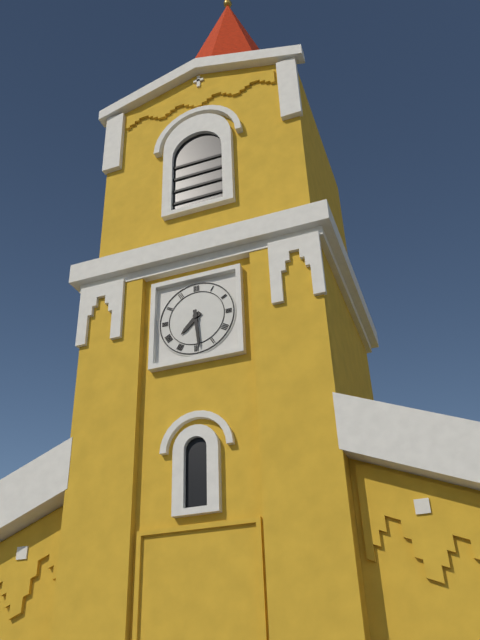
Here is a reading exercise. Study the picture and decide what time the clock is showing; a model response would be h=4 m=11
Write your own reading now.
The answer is h=7 m=29
